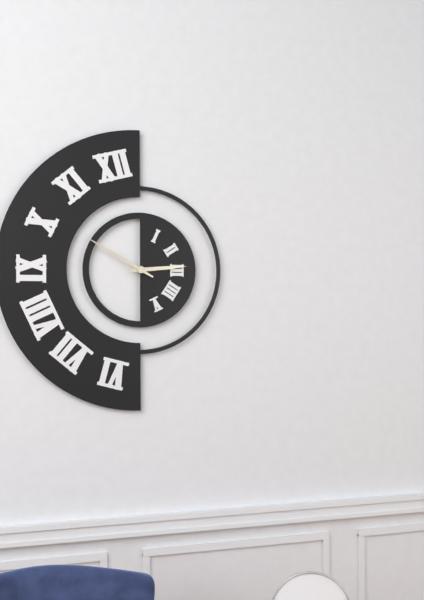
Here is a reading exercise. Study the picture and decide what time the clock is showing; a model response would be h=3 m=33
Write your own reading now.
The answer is h=2 m=50
